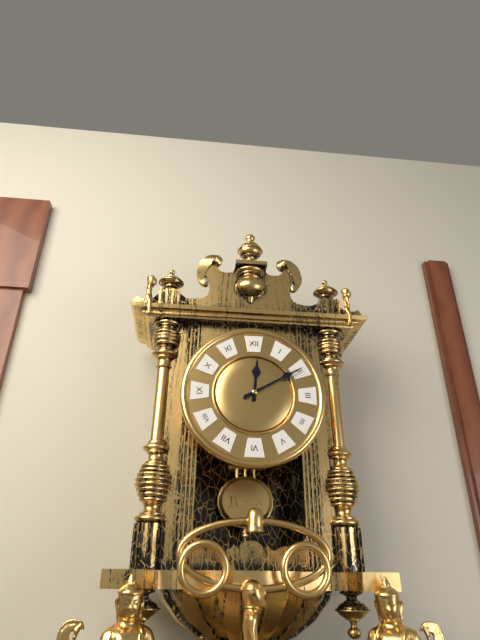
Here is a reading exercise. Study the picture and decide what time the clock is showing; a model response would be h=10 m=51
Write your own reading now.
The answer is h=12 m=10
